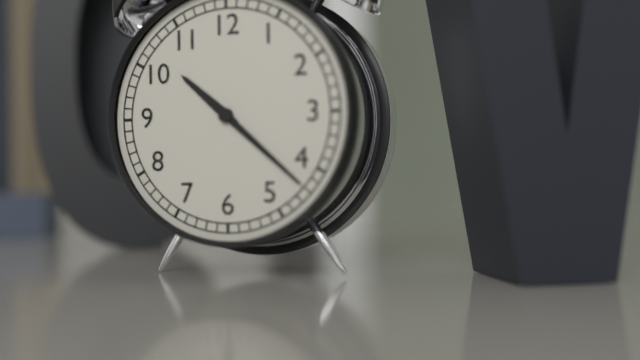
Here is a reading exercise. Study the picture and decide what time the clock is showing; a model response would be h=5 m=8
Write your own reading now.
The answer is h=10 m=22
